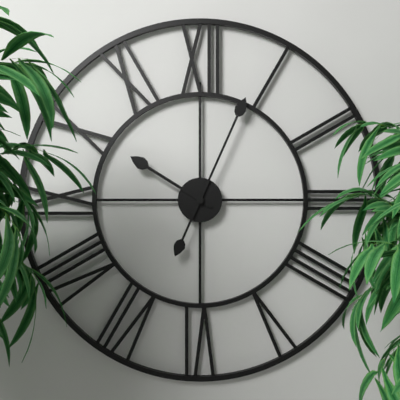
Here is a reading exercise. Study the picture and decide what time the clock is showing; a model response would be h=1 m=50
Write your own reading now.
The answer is h=10 m=4
